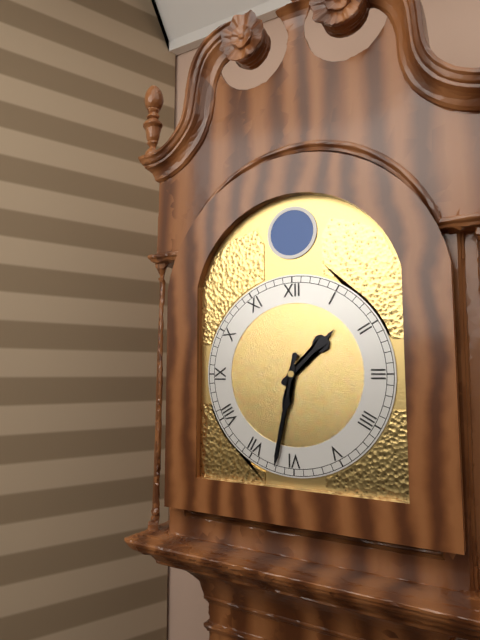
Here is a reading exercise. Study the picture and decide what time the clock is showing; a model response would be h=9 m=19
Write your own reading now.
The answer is h=1 m=32
